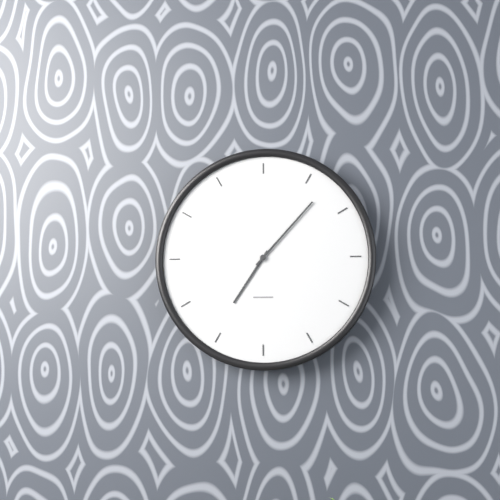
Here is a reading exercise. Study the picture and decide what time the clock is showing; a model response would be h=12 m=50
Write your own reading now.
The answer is h=7 m=7
